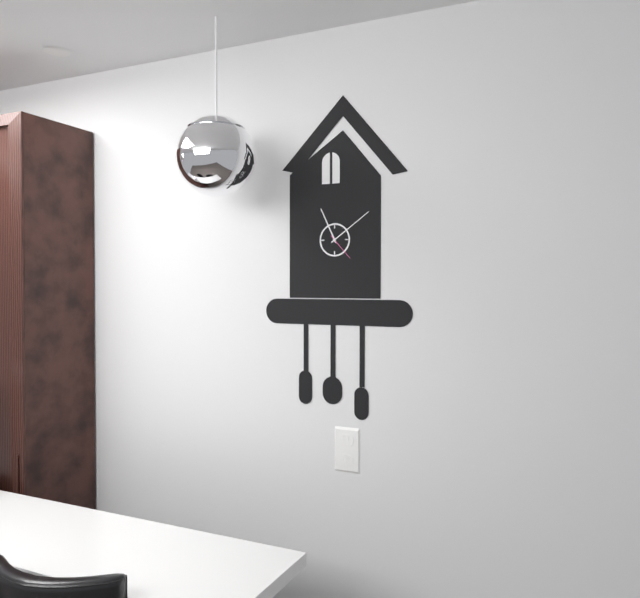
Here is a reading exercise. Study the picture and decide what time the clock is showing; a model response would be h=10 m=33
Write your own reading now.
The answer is h=11 m=9
